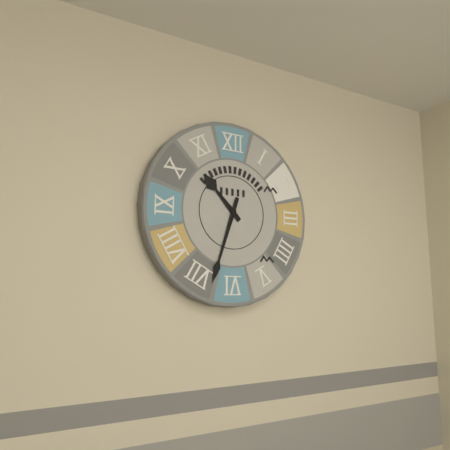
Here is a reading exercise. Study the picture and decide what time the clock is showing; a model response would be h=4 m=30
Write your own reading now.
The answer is h=10 m=33
